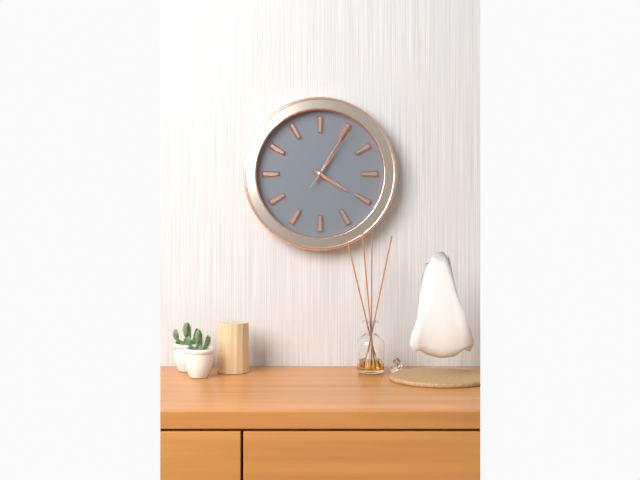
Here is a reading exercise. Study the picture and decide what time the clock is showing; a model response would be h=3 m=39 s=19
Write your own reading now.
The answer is h=4 m=5 s=6
